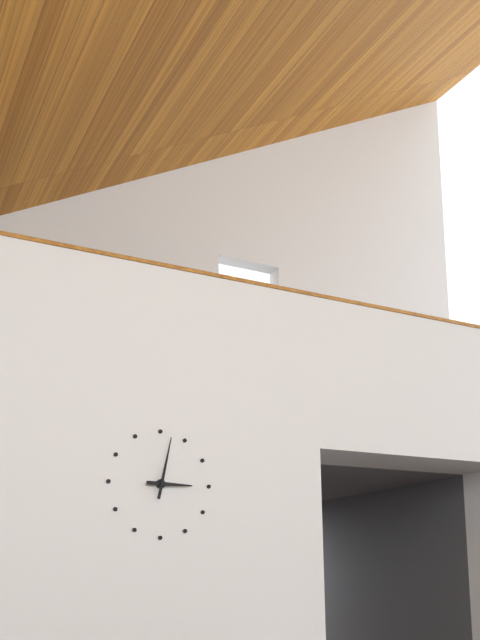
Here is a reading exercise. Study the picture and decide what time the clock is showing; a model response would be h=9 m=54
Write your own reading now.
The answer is h=3 m=2
